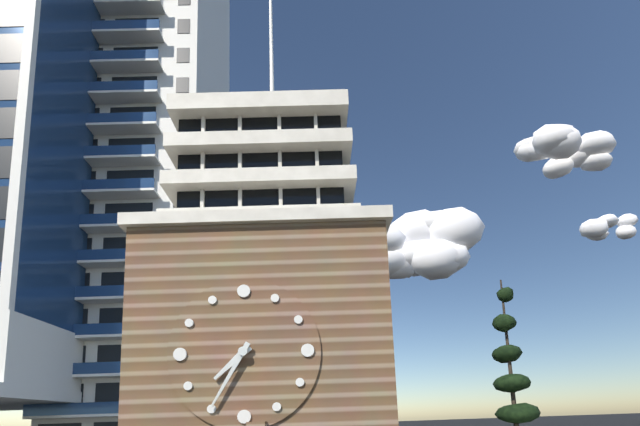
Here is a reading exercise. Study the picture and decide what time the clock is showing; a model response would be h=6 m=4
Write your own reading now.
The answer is h=7 m=35
